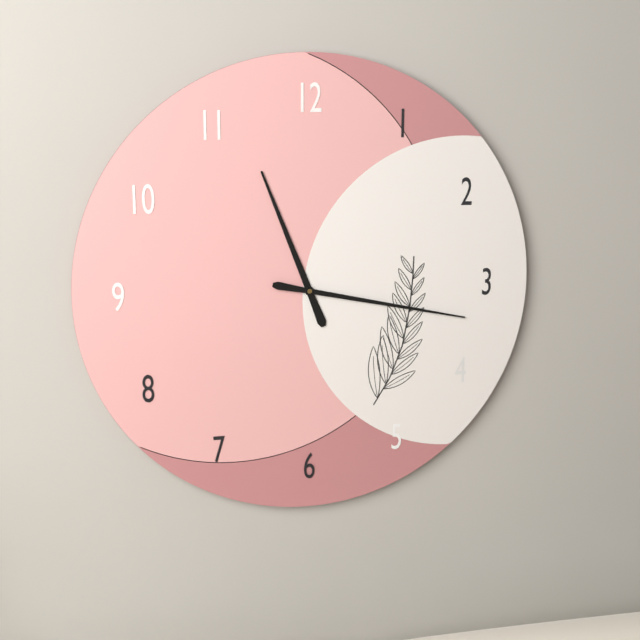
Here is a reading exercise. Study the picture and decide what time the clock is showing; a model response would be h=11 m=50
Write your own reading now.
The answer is h=11 m=17
